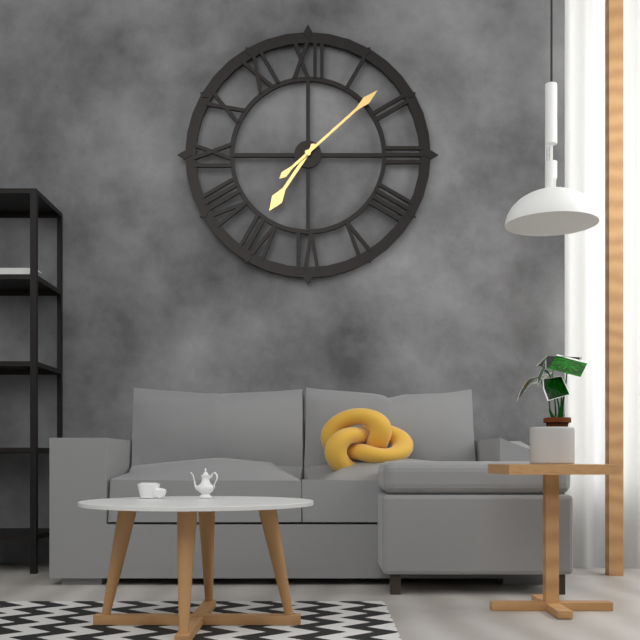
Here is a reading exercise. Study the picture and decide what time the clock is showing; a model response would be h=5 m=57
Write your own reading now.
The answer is h=7 m=8
